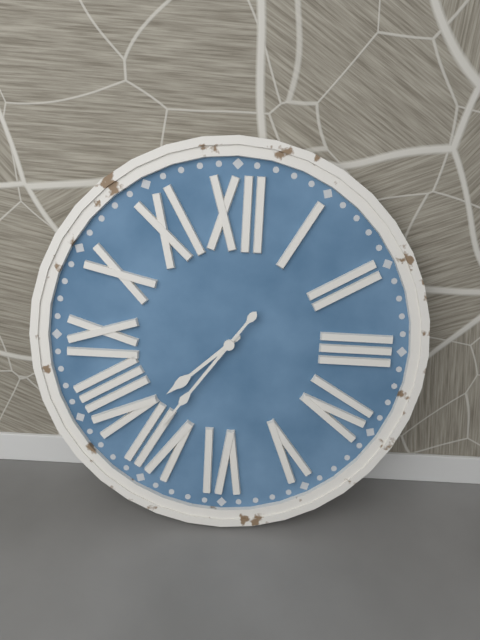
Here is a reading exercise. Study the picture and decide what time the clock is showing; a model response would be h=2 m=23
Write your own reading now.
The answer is h=7 m=36
